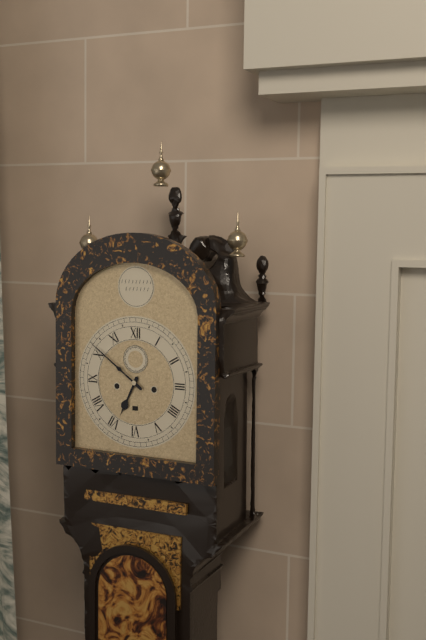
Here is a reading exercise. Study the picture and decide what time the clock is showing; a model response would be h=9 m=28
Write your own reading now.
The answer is h=6 m=51
